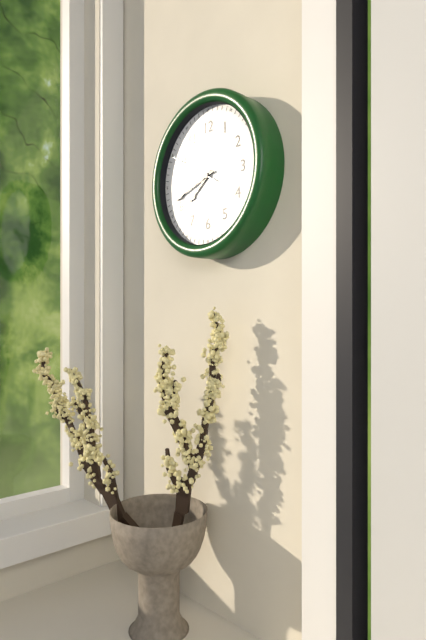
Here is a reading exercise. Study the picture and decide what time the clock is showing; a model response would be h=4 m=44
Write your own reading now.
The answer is h=7 m=42
